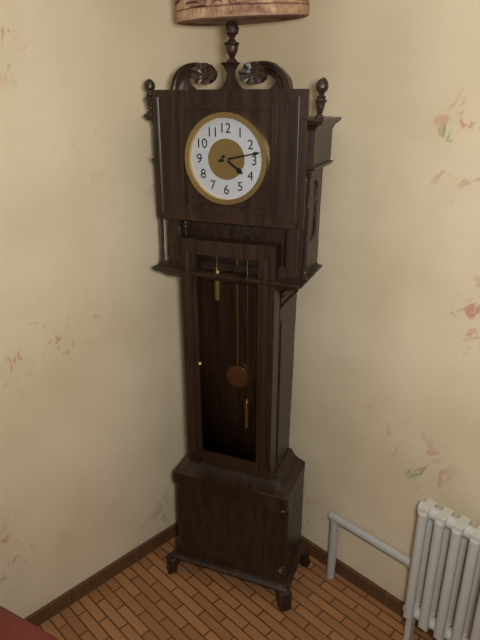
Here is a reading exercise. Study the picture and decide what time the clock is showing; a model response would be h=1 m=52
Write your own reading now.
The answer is h=4 m=13
